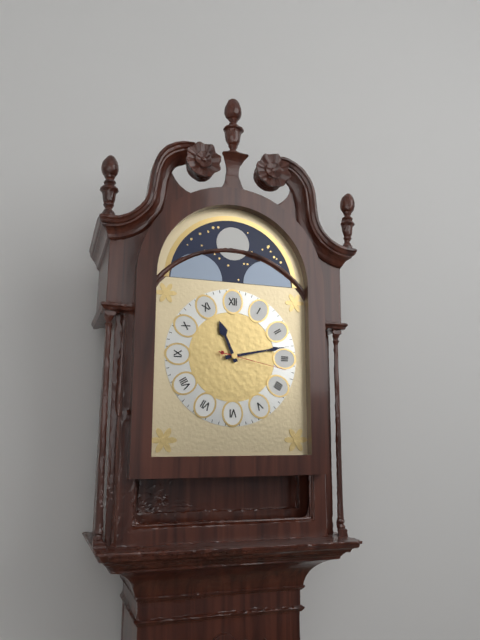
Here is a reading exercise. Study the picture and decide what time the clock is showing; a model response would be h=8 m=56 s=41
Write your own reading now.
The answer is h=11 m=13 s=17
